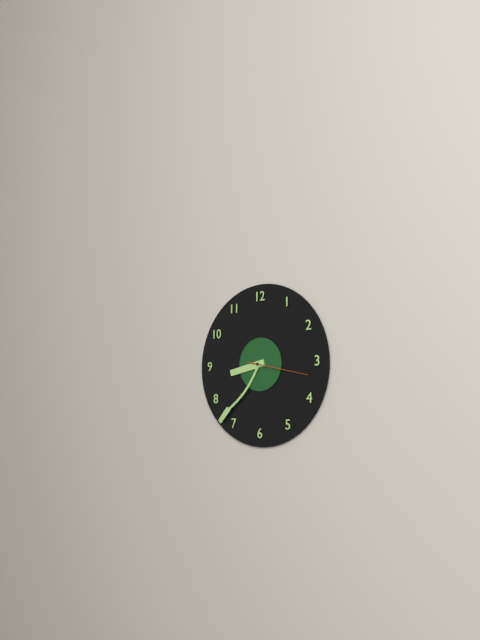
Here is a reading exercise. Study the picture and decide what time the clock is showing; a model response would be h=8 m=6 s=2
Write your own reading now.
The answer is h=8 m=37 s=17
